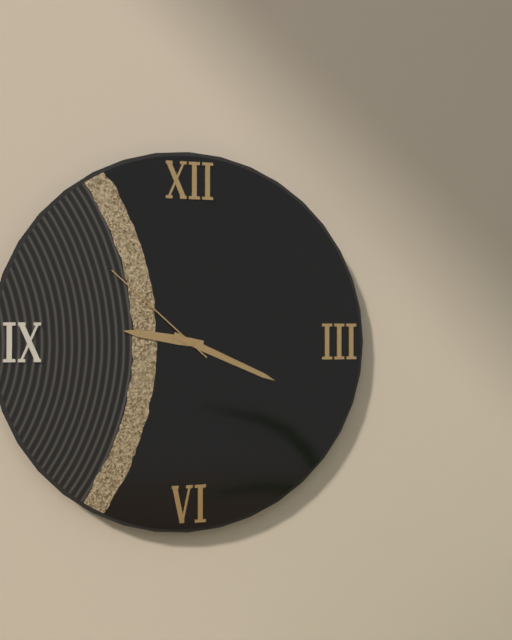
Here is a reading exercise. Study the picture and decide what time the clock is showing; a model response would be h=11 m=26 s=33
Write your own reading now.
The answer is h=9 m=19 s=52
